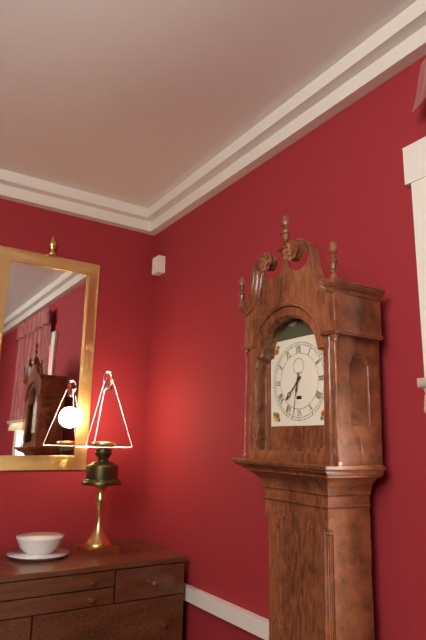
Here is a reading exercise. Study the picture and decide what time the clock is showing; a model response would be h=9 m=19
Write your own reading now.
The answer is h=7 m=32
